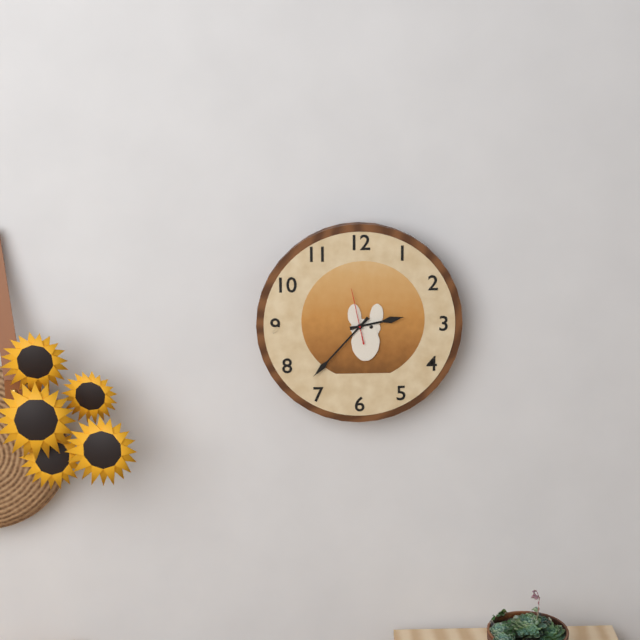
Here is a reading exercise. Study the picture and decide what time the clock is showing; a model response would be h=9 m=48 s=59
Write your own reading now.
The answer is h=2 m=37 s=58
